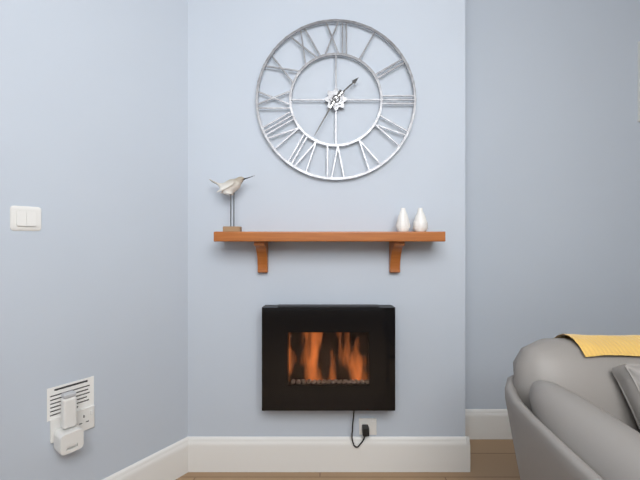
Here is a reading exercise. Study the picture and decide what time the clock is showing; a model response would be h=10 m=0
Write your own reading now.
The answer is h=1 m=35
